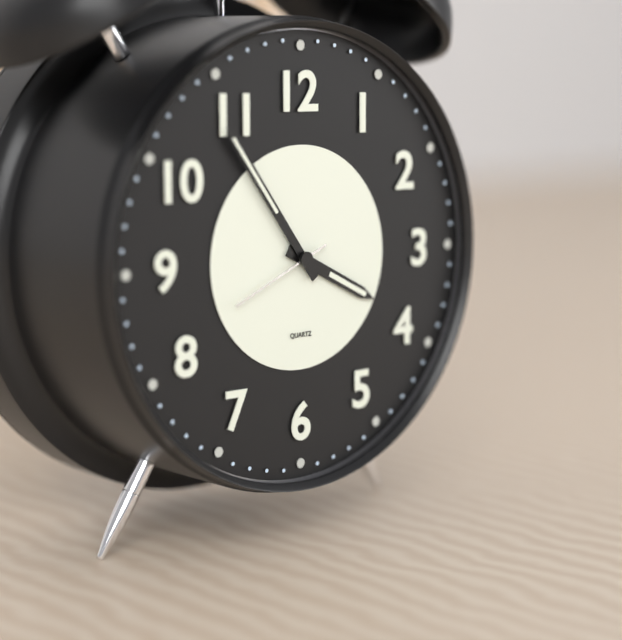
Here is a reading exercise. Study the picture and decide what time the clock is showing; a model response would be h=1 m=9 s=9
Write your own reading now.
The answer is h=3 m=54 s=41
